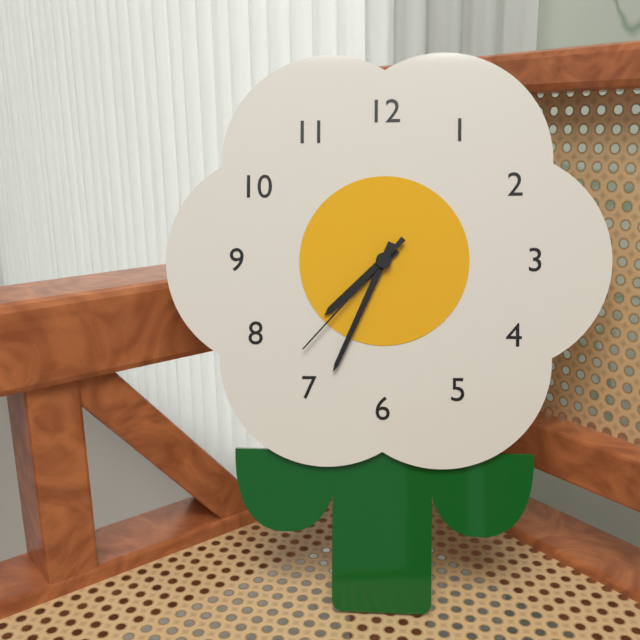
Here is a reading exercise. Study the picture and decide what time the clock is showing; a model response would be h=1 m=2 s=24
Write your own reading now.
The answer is h=7 m=34 s=37
